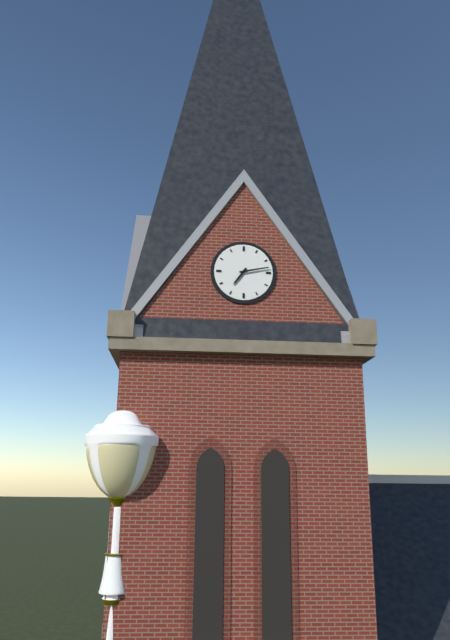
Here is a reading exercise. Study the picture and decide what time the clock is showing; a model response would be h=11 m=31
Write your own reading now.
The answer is h=7 m=13
